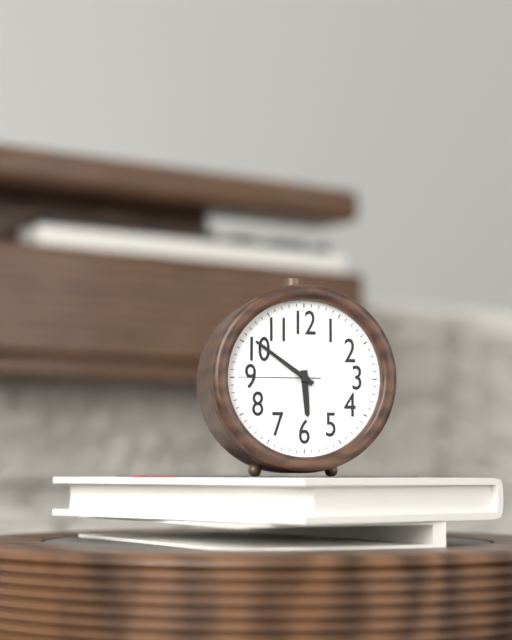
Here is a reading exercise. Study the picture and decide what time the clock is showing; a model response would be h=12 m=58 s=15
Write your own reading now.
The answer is h=5 m=51 s=45
